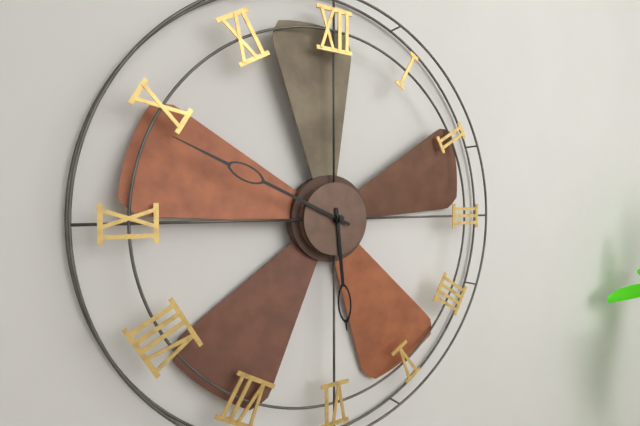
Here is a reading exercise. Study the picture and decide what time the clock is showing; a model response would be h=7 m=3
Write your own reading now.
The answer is h=5 m=49
